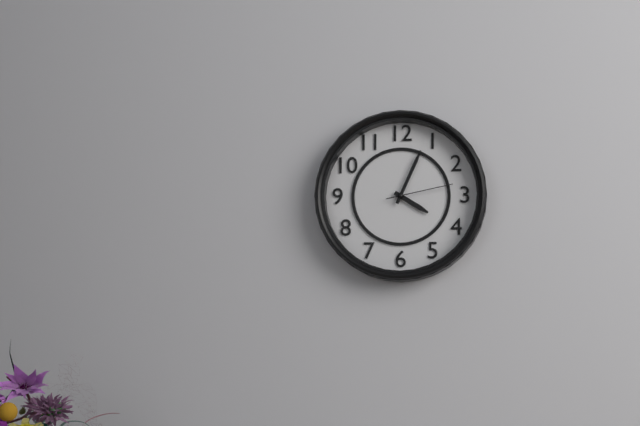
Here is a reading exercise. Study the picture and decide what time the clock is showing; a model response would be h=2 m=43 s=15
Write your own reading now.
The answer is h=4 m=4 s=13
